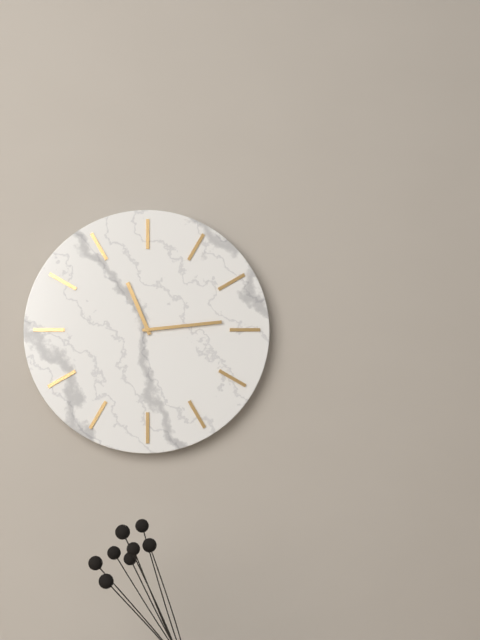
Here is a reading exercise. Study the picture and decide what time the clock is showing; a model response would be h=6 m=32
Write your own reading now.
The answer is h=11 m=14
